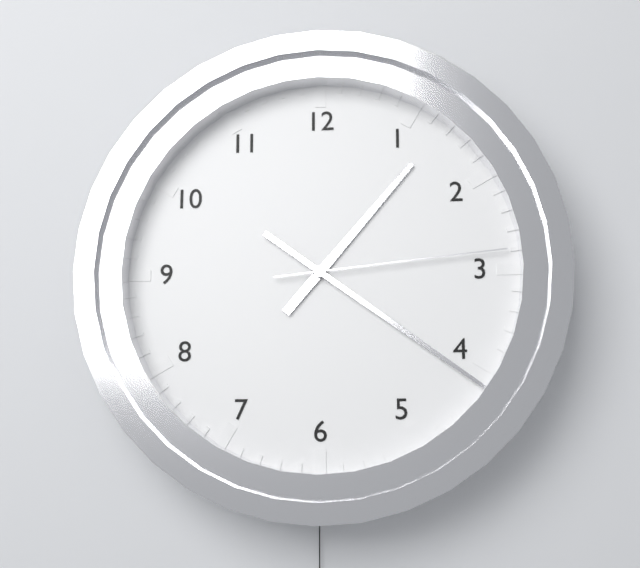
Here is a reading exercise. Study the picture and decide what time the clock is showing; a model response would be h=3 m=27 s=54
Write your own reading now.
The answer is h=1 m=21 s=14
